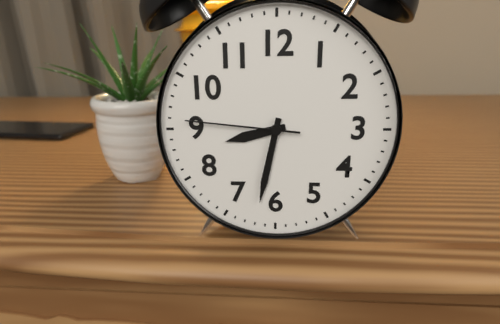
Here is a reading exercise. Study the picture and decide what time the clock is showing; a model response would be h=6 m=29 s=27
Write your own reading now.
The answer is h=8 m=32 s=46
